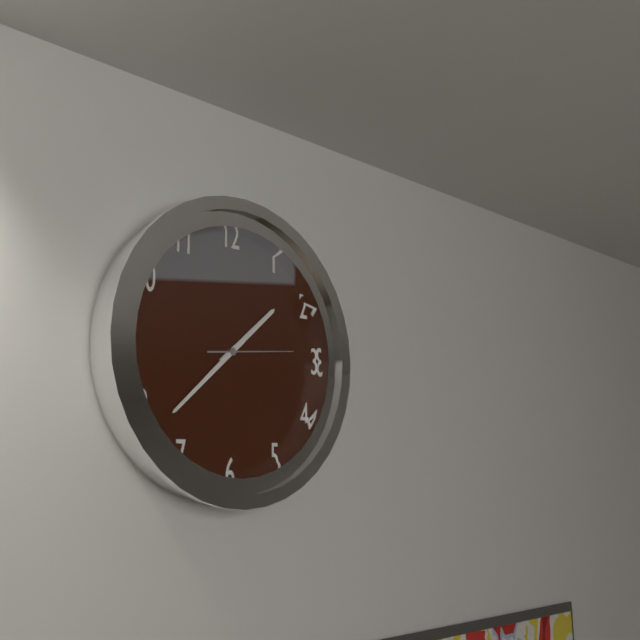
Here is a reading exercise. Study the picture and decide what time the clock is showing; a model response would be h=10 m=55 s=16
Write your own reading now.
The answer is h=1 m=38 s=14
